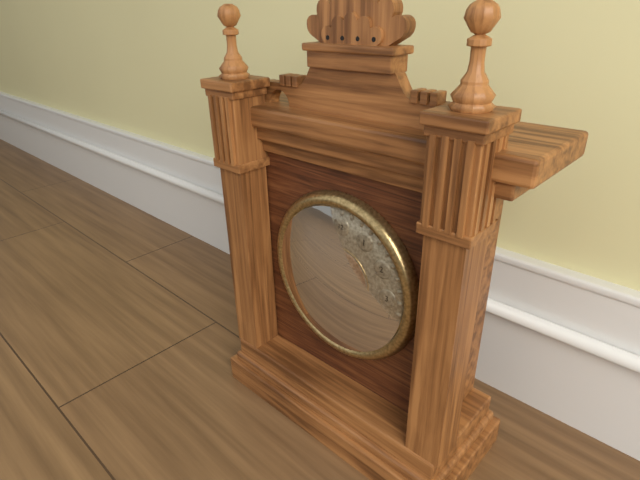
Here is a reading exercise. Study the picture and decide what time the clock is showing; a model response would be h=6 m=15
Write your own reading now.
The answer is h=3 m=56
